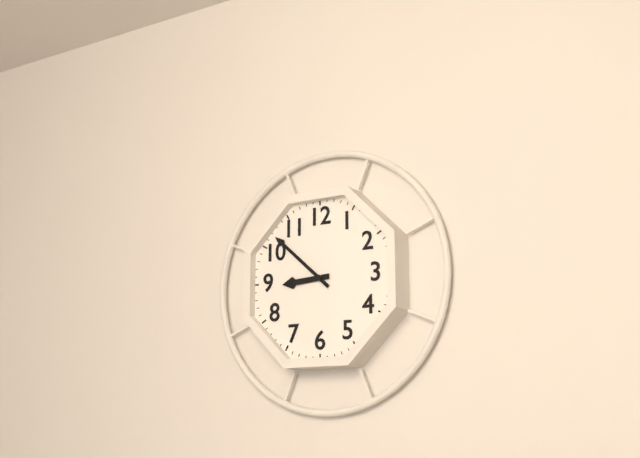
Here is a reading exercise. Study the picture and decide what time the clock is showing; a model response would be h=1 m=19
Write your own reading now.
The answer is h=8 m=52
